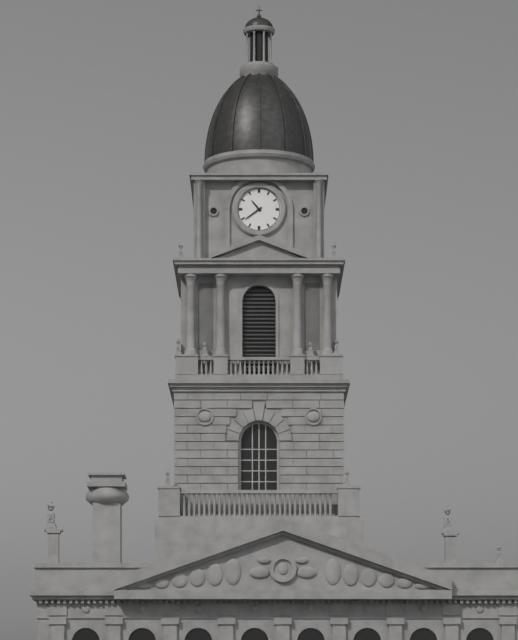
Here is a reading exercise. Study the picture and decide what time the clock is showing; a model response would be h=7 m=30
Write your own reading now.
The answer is h=10 m=39
